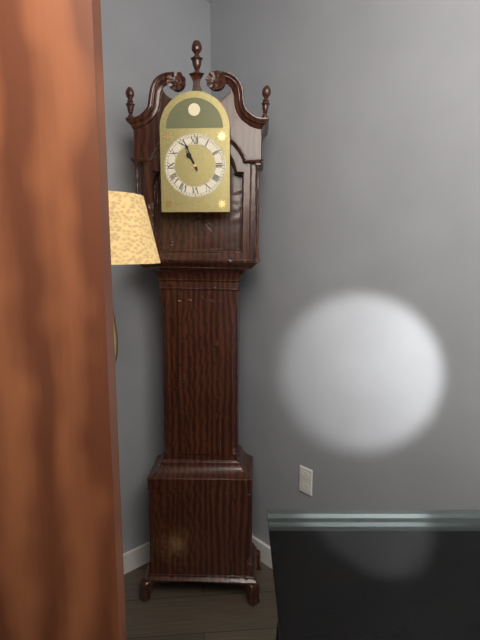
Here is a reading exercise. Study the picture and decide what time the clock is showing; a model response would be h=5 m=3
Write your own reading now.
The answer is h=10 m=56
